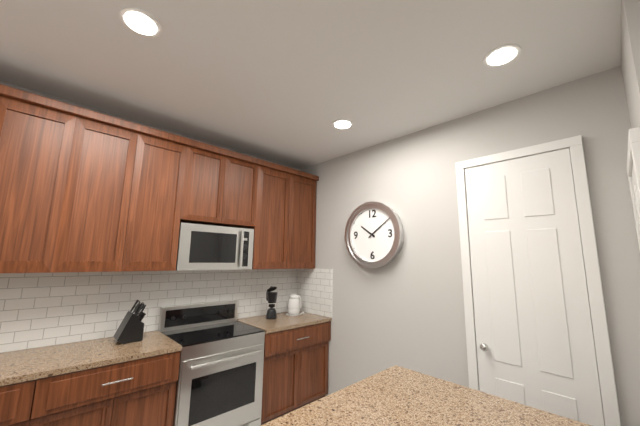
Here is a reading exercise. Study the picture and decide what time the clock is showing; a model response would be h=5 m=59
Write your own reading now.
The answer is h=10 m=9
